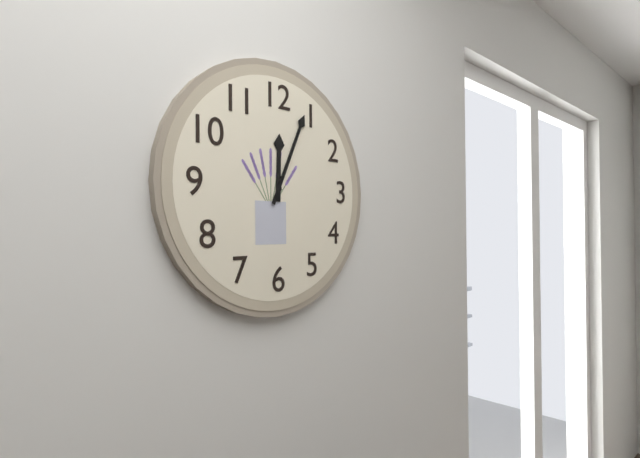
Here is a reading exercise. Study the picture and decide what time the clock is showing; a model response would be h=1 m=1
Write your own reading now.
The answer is h=12 m=4
